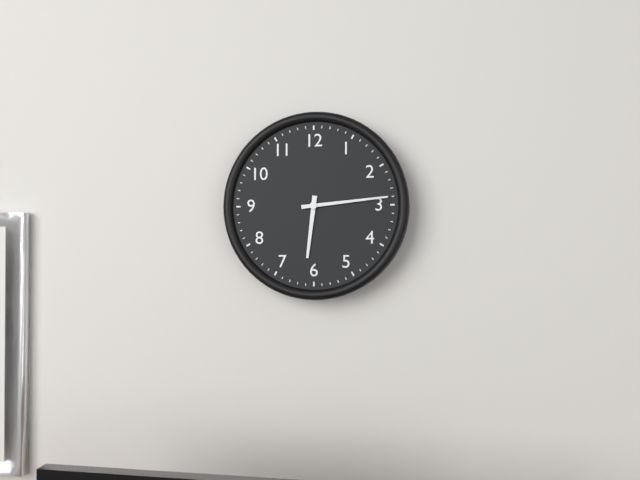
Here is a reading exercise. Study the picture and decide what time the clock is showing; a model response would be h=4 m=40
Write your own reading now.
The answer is h=6 m=14
